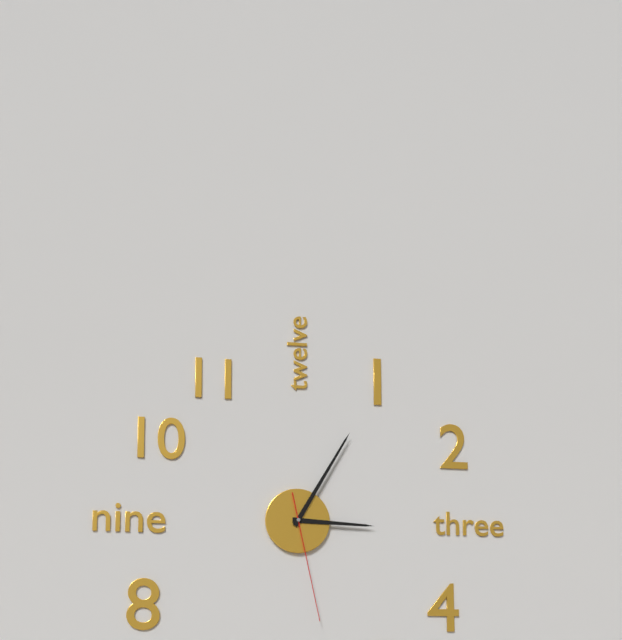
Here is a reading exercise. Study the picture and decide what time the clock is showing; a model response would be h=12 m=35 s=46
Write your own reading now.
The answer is h=3 m=5 s=28
